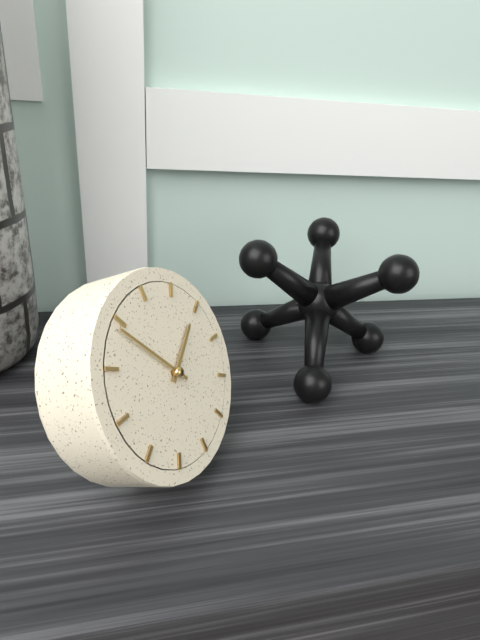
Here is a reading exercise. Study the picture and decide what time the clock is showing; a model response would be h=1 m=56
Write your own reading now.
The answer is h=1 m=54
